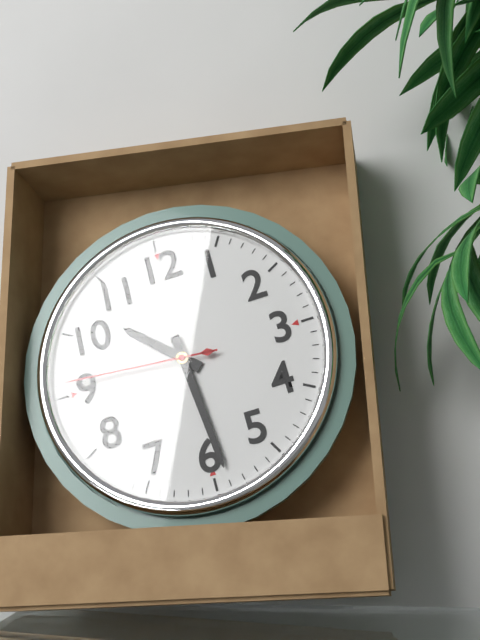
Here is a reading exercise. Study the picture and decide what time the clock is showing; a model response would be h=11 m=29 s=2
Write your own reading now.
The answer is h=10 m=29 s=46
